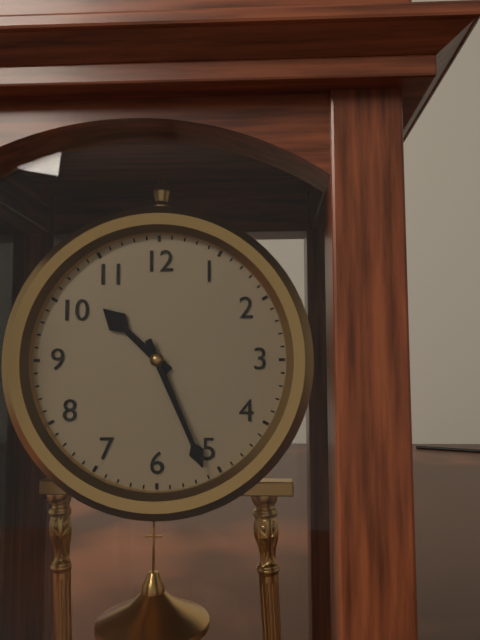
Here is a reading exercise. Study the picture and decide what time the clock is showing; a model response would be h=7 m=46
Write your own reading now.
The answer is h=10 m=26
